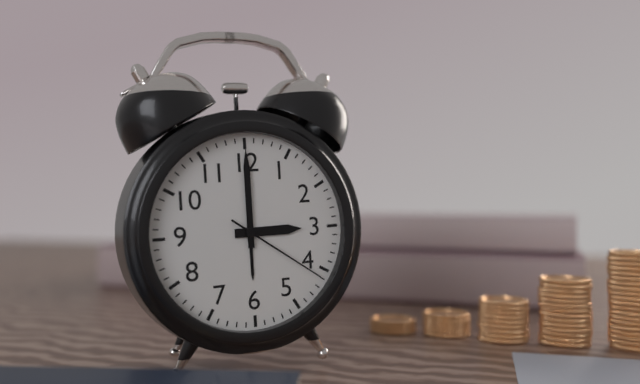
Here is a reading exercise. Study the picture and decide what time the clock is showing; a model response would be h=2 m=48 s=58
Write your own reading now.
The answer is h=3 m=0 s=21
